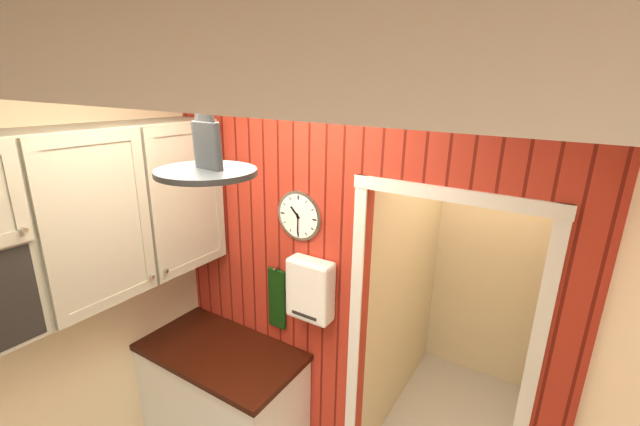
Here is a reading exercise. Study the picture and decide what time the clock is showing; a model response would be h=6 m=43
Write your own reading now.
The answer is h=10 m=30
